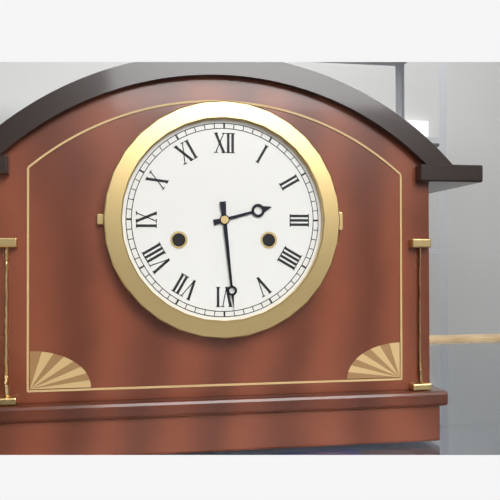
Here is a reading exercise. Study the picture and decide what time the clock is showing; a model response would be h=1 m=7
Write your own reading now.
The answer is h=2 m=29
